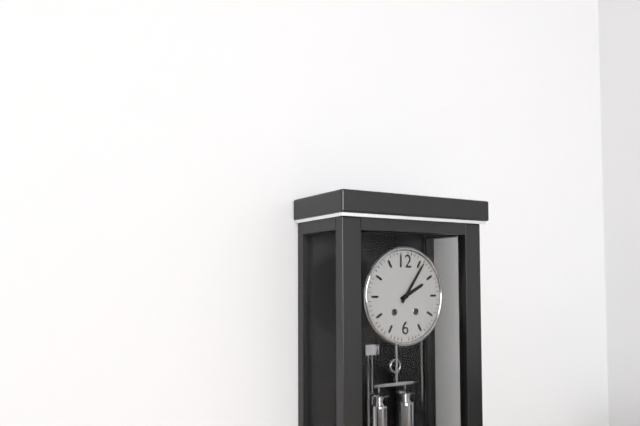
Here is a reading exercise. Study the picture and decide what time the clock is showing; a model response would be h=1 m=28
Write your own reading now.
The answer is h=2 m=6
